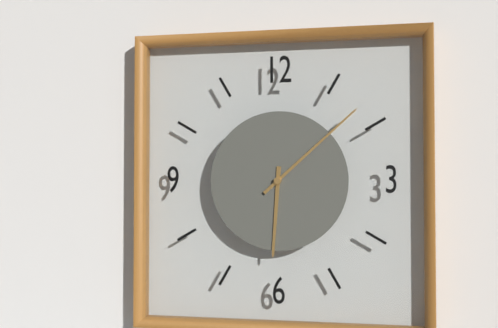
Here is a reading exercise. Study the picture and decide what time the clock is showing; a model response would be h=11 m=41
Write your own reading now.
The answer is h=6 m=8
